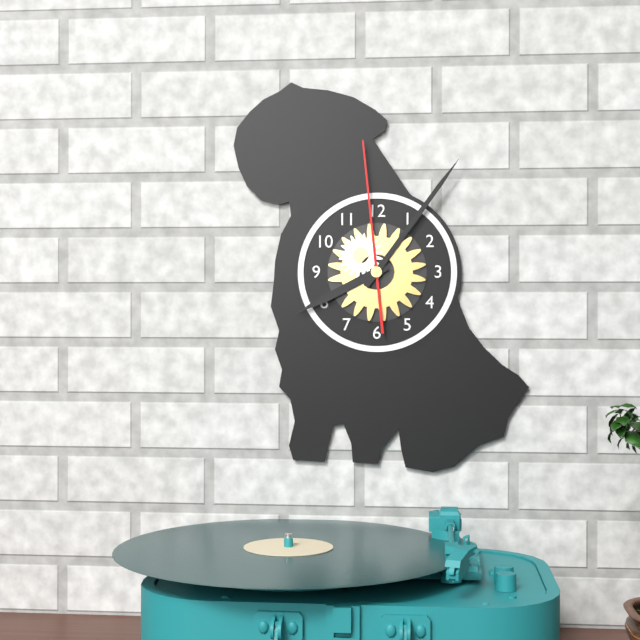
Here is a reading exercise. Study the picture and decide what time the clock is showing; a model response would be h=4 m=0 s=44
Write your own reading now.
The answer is h=8 m=6 s=59
